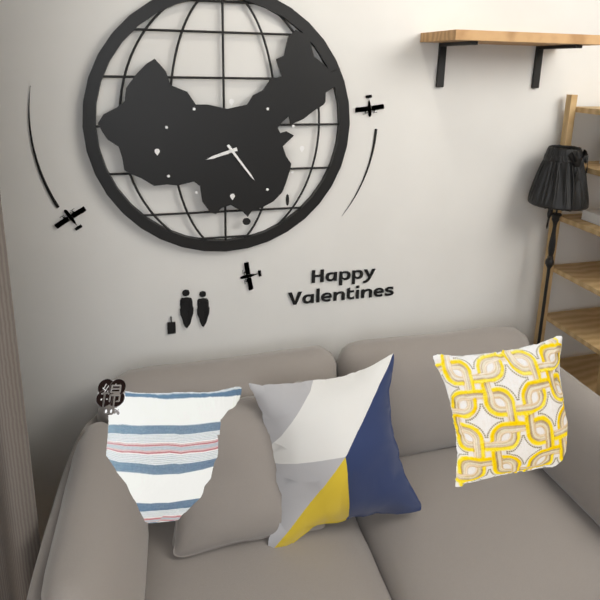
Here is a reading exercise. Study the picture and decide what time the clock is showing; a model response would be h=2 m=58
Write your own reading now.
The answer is h=8 m=24
